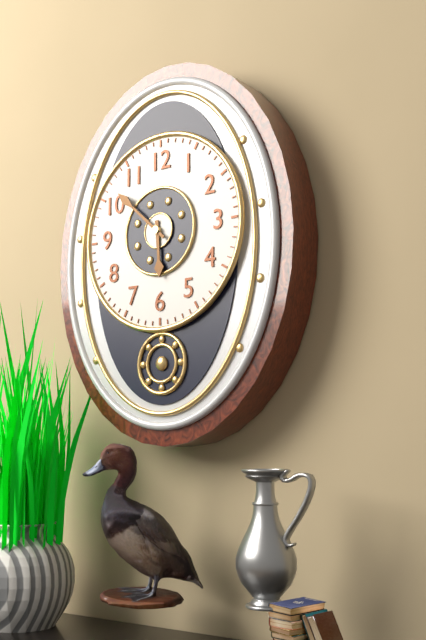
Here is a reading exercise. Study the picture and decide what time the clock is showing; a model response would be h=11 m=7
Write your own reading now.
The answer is h=5 m=52
